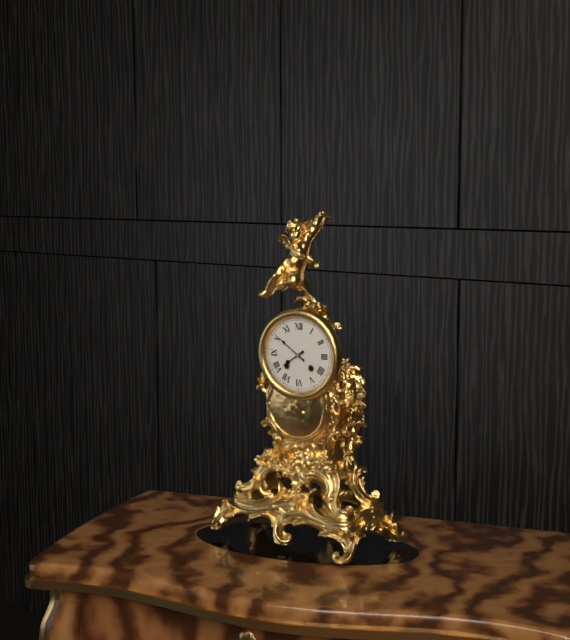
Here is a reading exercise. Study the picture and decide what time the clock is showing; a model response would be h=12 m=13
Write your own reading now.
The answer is h=7 m=51
